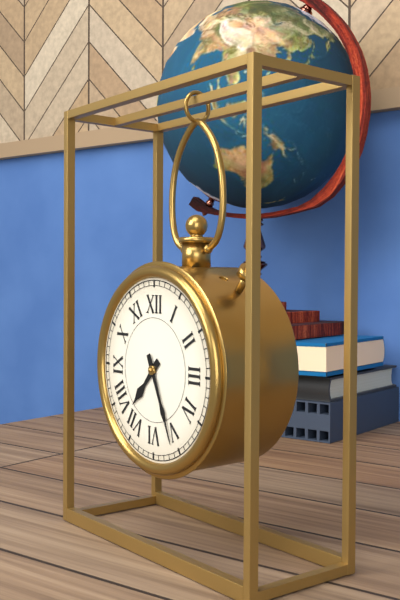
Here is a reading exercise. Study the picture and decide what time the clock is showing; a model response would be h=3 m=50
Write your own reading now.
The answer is h=7 m=26
